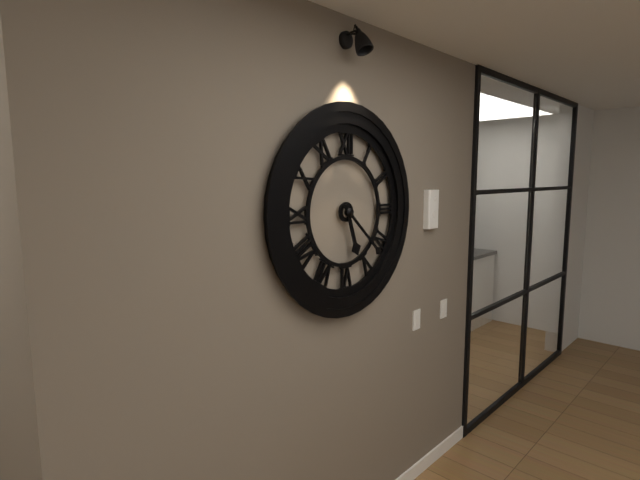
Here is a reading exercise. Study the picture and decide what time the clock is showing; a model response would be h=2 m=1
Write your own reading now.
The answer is h=5 m=22
